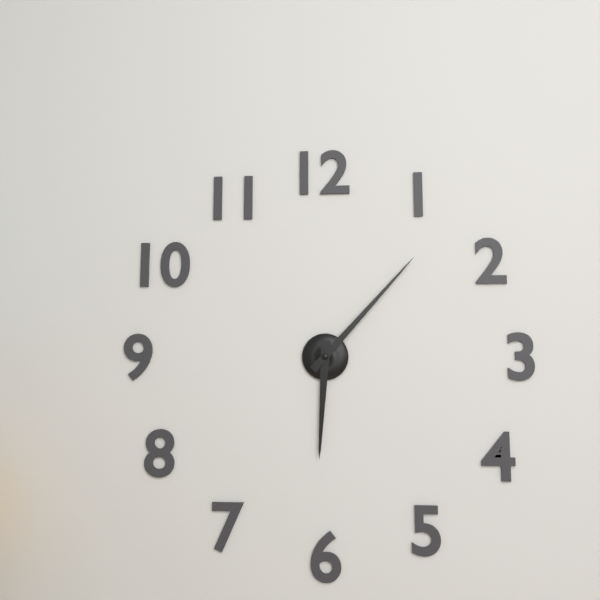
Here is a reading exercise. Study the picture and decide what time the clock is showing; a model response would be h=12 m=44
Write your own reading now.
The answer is h=6 m=7
